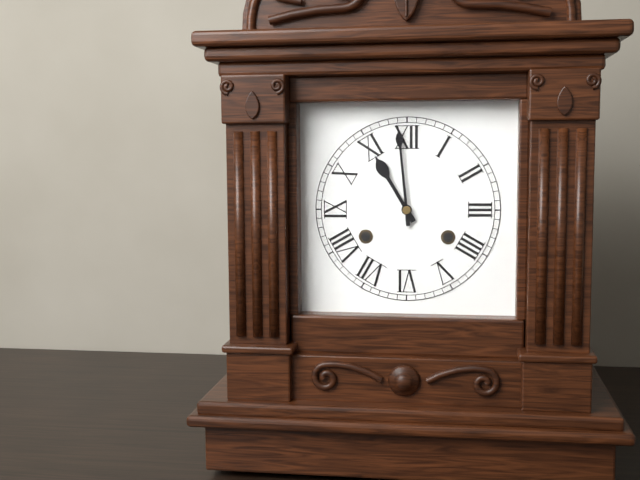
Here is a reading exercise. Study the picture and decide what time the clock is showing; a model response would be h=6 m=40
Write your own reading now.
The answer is h=10 m=59
